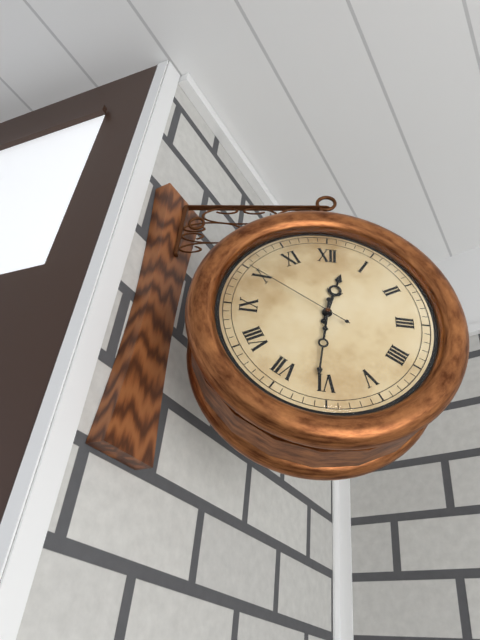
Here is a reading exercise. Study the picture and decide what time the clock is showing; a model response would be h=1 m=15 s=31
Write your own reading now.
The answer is h=12 m=31 s=50
